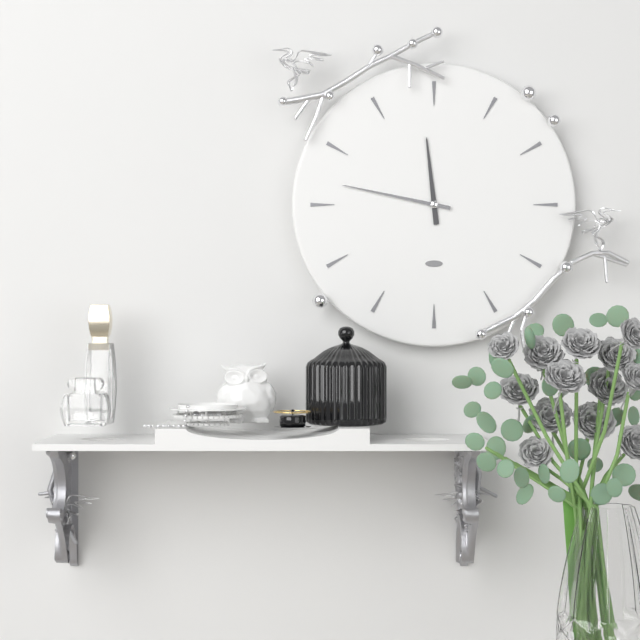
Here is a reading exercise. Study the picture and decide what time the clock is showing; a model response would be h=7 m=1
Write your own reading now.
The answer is h=11 m=47
